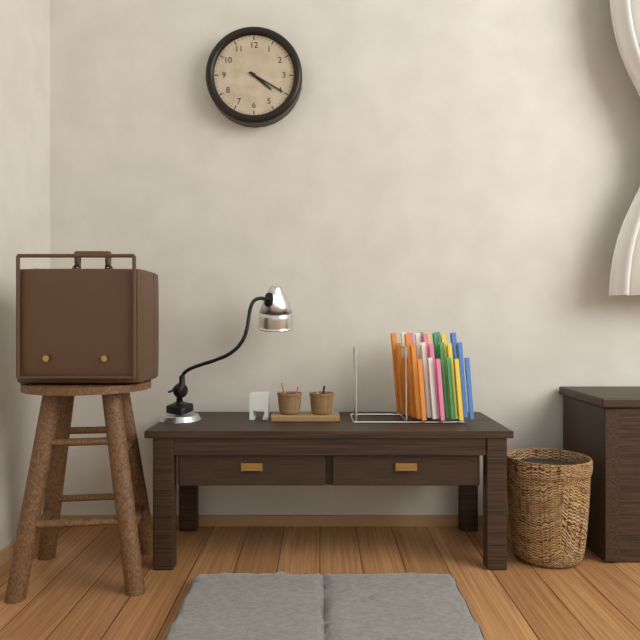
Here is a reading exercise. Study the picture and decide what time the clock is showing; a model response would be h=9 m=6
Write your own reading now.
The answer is h=4 m=20
